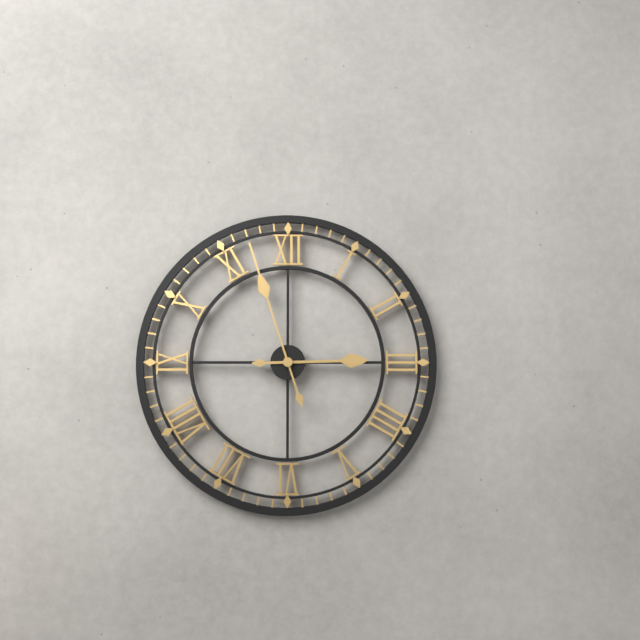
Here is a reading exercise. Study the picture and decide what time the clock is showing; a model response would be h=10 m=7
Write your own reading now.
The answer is h=2 m=57
